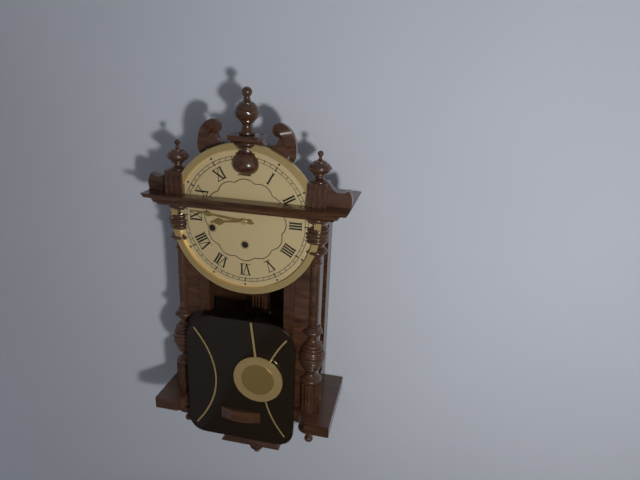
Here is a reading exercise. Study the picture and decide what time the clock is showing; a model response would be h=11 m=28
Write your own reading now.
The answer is h=8 m=46
